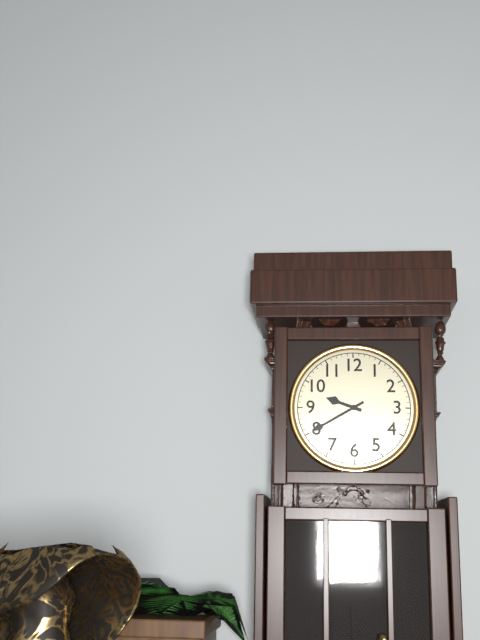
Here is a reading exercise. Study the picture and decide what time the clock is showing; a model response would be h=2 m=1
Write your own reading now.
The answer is h=9 m=40
